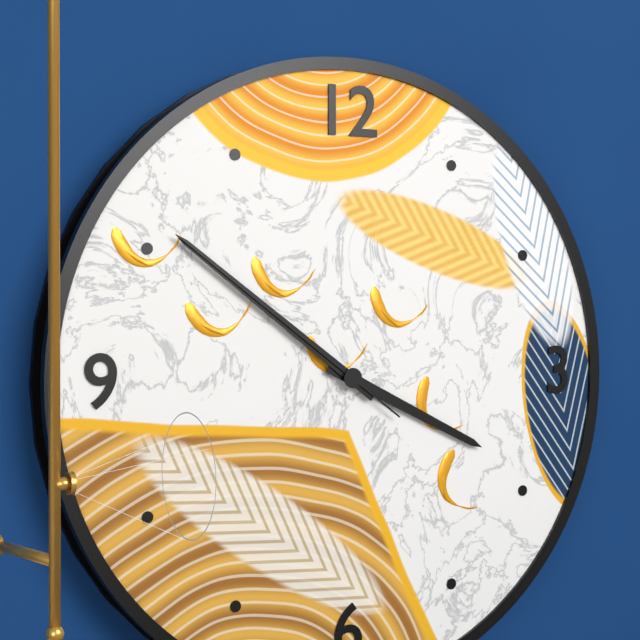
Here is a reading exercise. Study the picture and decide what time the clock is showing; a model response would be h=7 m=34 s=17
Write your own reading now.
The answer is h=3 m=51 s=51
